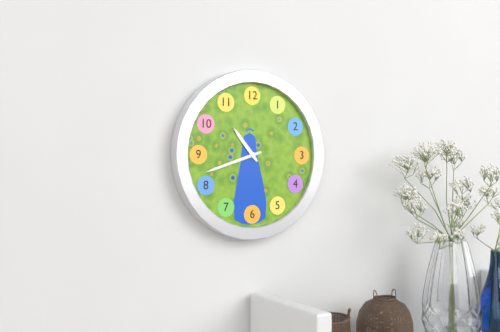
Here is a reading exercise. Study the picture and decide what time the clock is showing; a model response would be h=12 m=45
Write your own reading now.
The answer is h=10 m=42
